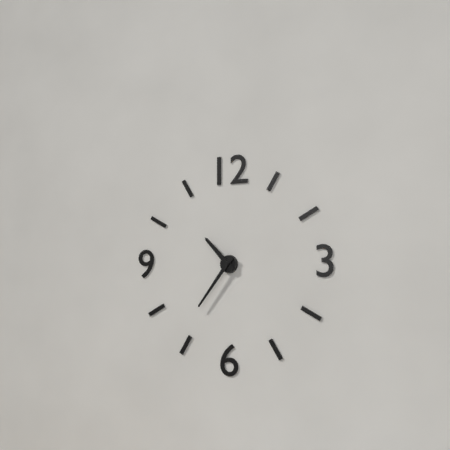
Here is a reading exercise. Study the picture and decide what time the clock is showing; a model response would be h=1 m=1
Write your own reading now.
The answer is h=10 m=36
